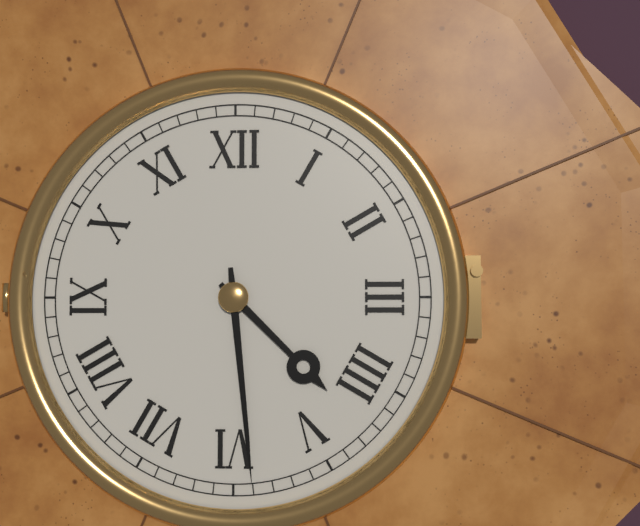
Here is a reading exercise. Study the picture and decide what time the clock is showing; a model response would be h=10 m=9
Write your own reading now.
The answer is h=4 m=29
